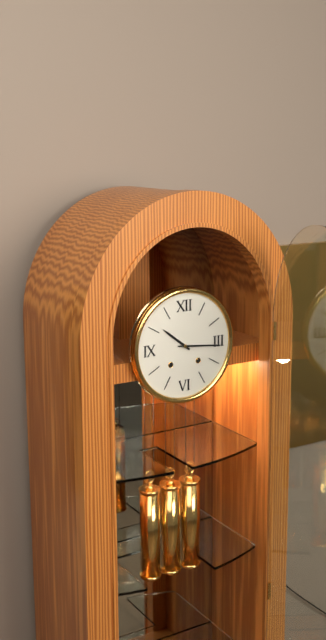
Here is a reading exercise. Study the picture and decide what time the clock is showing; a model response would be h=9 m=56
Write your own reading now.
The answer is h=10 m=16
